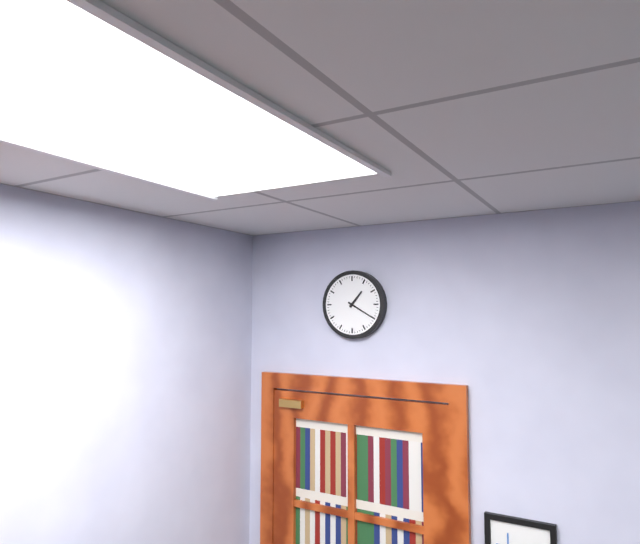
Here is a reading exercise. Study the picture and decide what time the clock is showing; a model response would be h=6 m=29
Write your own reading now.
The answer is h=1 m=20
